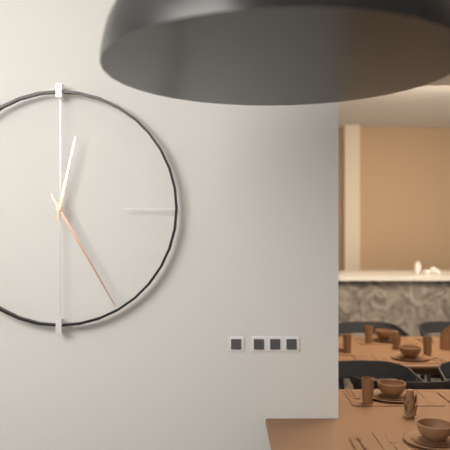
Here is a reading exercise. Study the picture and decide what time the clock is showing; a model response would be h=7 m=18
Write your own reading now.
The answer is h=12 m=25
